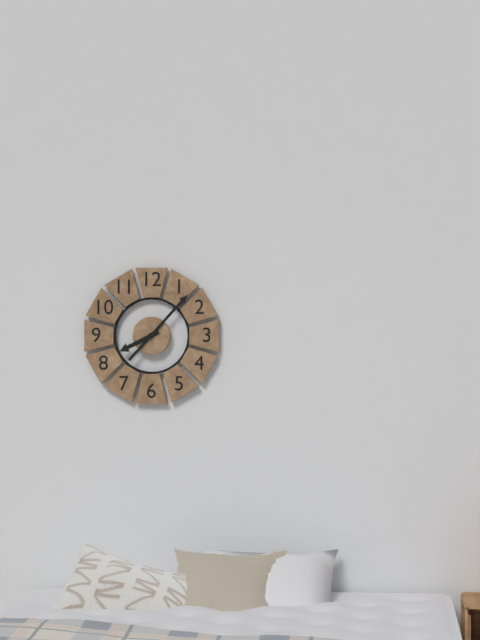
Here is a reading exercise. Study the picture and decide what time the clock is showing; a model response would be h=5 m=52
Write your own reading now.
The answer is h=8 m=7
